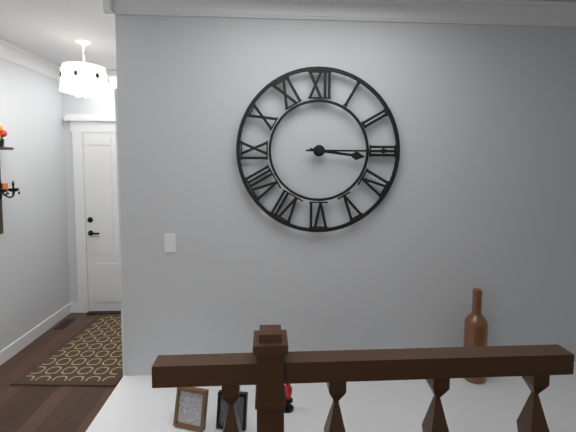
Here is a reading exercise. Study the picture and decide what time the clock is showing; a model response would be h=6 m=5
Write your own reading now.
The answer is h=3 m=15
